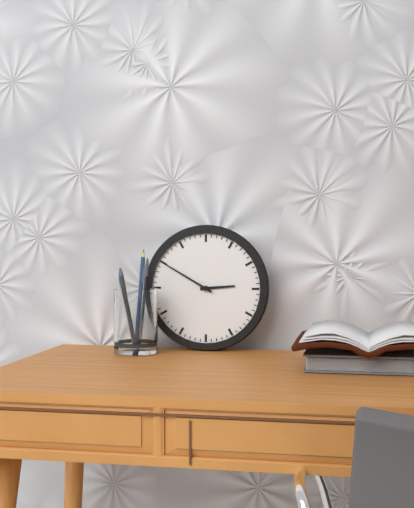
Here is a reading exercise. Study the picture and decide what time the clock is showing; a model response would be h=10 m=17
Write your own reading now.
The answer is h=2 m=50
